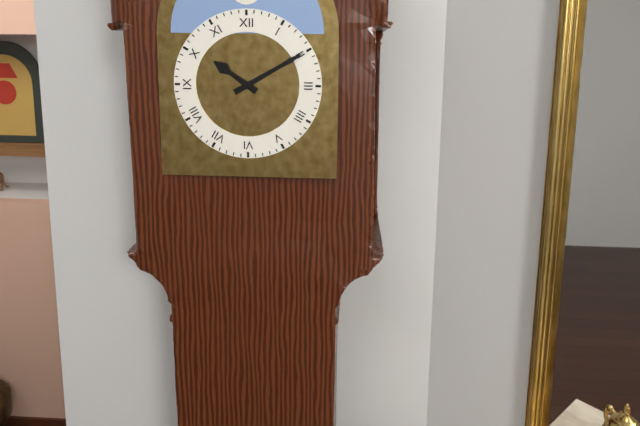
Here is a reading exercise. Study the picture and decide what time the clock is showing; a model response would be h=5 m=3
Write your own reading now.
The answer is h=10 m=10
